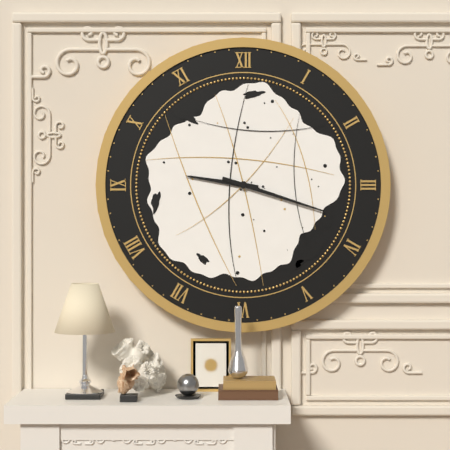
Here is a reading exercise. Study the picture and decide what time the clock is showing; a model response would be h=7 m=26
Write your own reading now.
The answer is h=9 m=18
